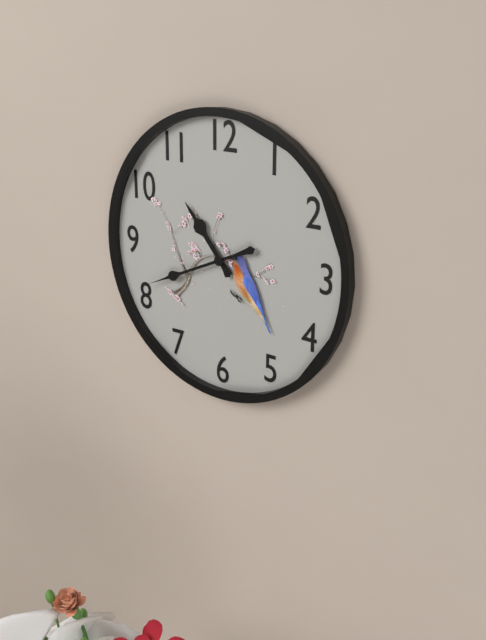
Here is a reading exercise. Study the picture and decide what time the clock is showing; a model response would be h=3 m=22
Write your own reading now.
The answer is h=10 m=41
